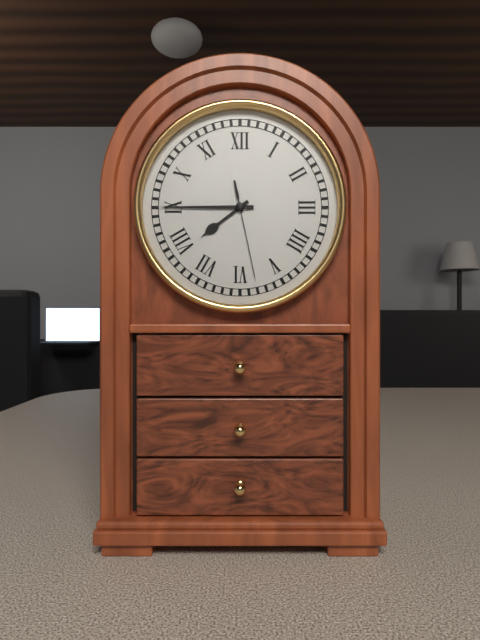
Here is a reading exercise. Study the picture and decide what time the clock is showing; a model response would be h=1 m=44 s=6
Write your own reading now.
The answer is h=7 m=45 s=28
